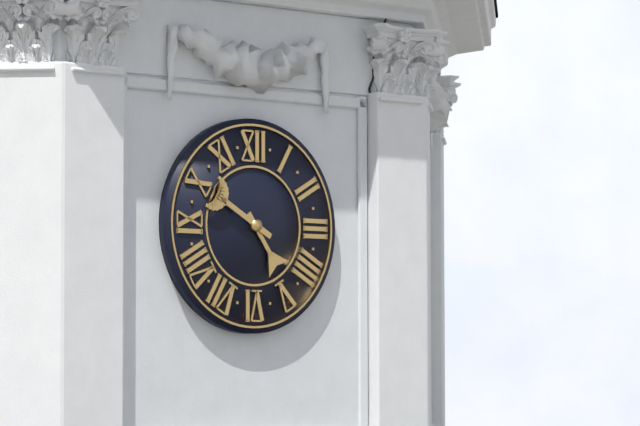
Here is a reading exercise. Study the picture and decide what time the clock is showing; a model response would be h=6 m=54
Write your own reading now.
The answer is h=4 m=50
